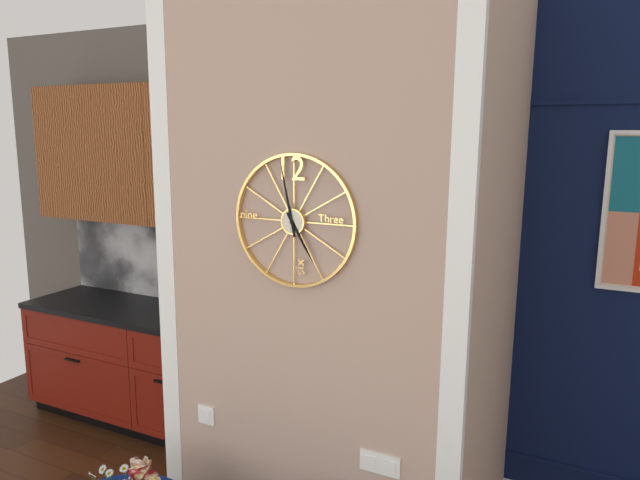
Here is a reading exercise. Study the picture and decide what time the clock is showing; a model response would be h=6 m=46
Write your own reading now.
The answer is h=4 m=58
